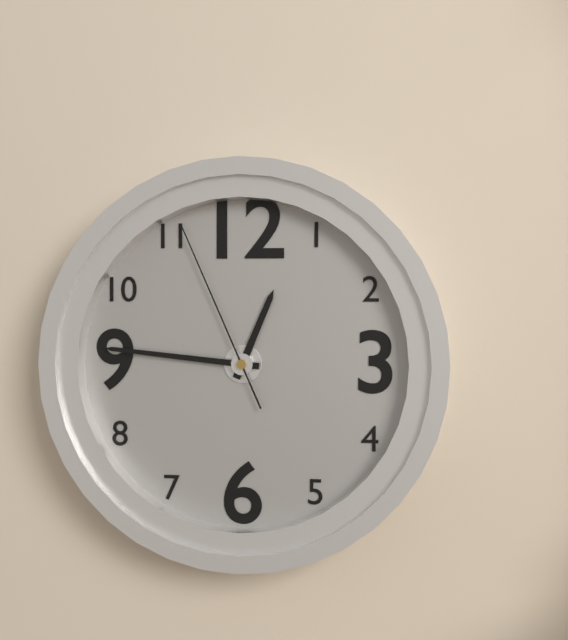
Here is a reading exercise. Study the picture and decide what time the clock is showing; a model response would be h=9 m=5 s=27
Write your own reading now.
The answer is h=12 m=46 s=56
